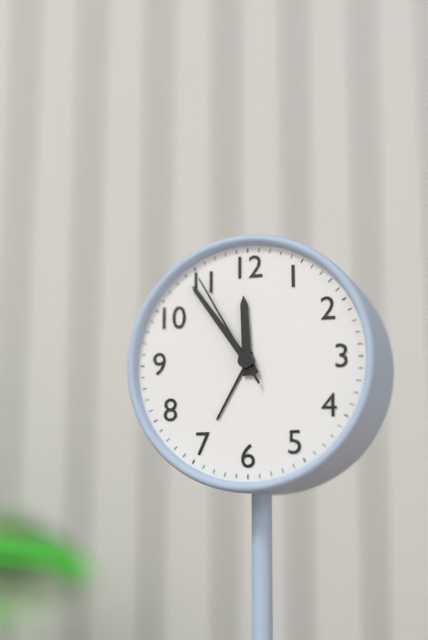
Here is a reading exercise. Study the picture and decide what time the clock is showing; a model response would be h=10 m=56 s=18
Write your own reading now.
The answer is h=11 m=54 s=55
